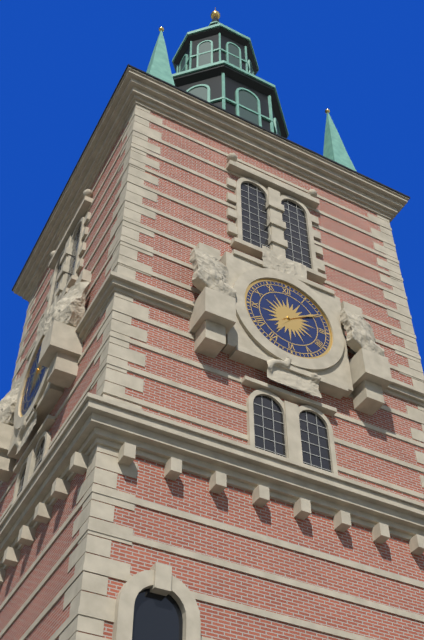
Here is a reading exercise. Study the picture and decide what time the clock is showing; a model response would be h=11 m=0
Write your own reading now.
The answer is h=7 m=10
